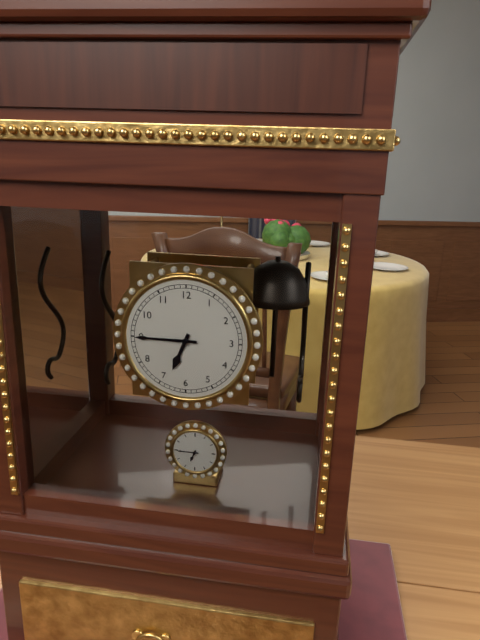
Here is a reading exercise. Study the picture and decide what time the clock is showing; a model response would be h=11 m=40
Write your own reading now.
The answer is h=6 m=45
